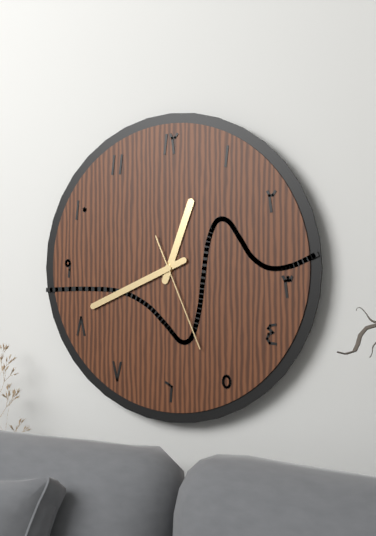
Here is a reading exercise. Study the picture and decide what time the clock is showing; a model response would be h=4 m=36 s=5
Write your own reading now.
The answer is h=12 m=41 s=26
